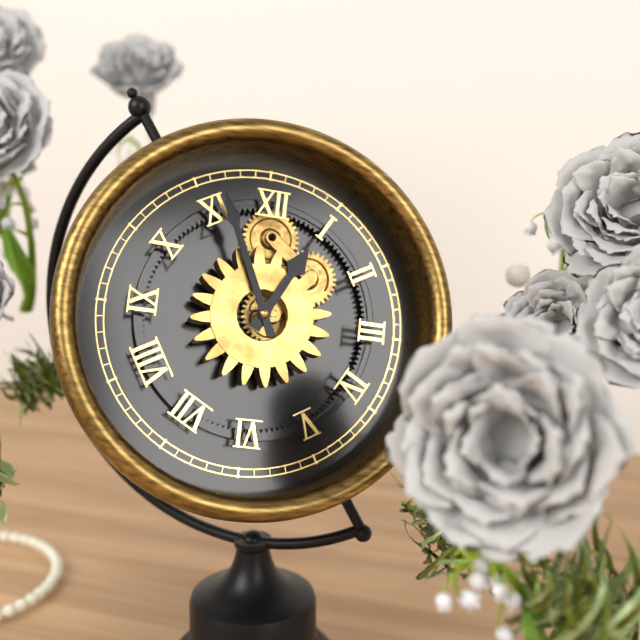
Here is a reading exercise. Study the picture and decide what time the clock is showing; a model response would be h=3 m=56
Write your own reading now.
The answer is h=12 m=56
